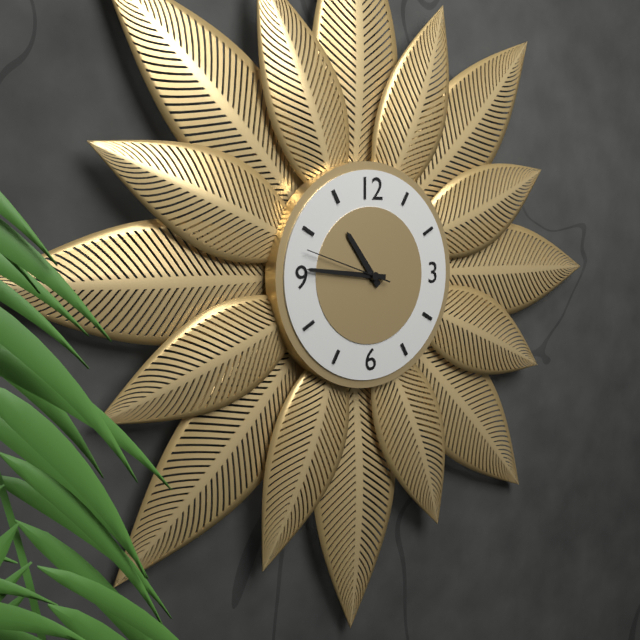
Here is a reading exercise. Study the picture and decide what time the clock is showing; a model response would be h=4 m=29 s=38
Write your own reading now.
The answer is h=10 m=46 s=48
